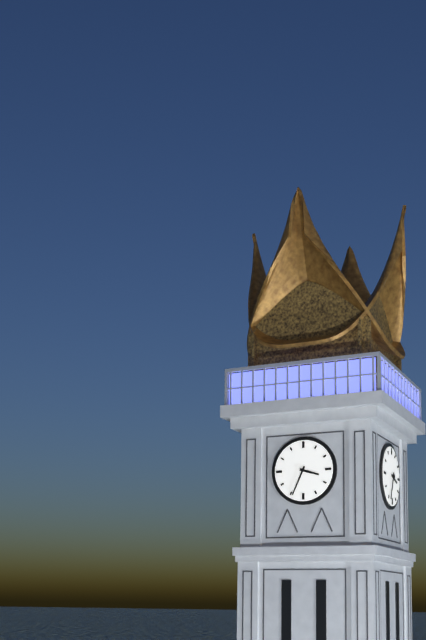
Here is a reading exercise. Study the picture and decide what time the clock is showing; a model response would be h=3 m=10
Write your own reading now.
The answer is h=3 m=34
